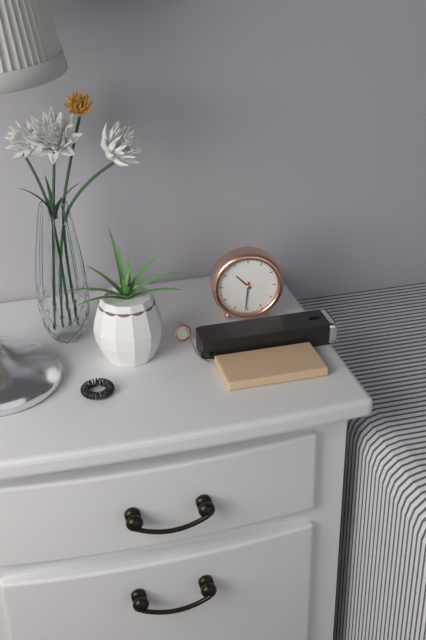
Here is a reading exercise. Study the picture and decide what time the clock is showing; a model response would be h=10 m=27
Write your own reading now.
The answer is h=10 m=31
